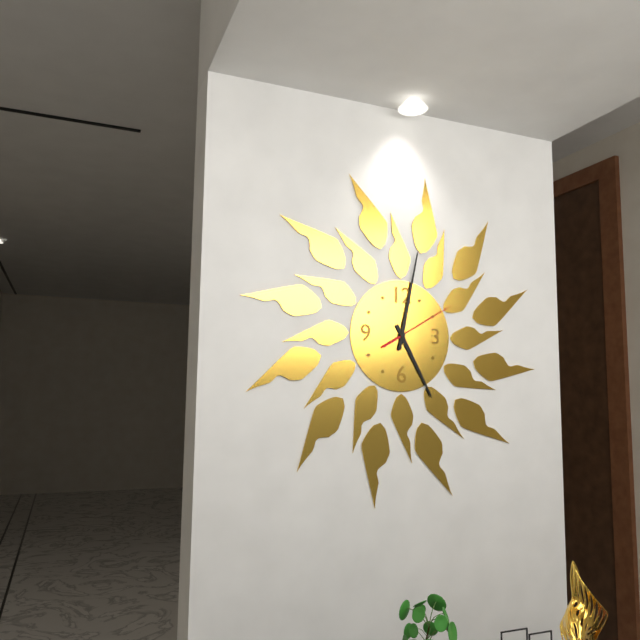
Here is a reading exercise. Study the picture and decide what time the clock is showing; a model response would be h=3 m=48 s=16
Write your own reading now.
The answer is h=5 m=2 s=10
